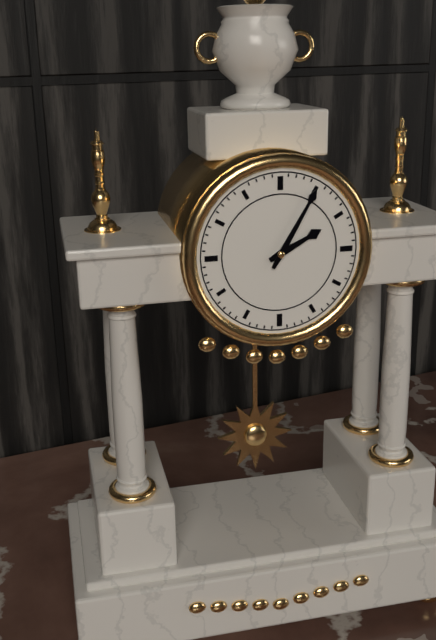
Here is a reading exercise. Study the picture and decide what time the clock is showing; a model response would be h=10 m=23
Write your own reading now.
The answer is h=2 m=5
